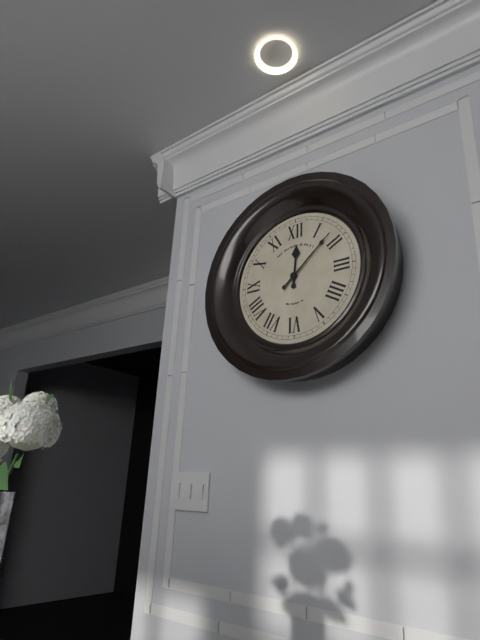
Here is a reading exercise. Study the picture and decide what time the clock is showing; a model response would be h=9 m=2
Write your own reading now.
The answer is h=12 m=8
